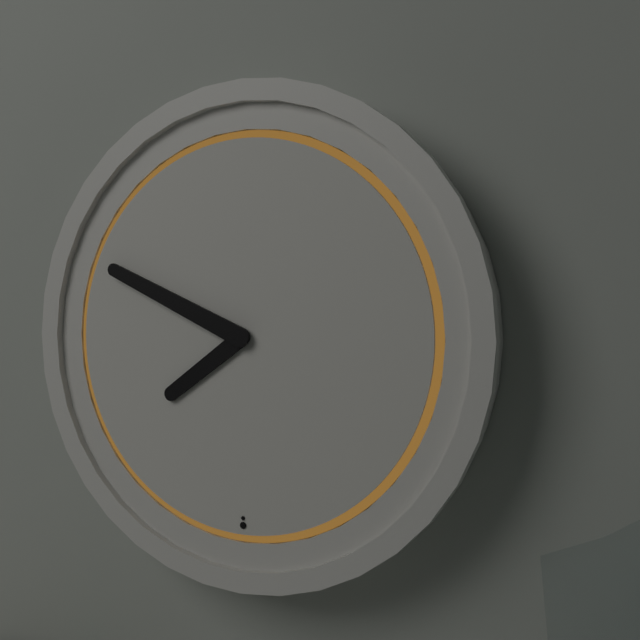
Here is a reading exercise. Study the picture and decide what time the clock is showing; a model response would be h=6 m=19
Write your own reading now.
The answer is h=7 m=49
